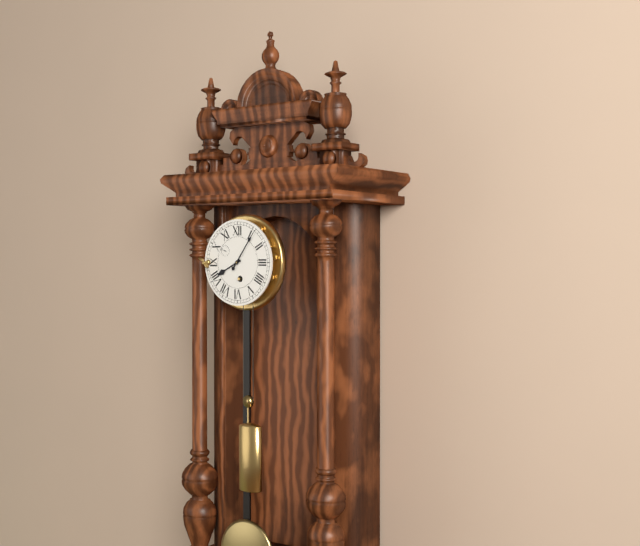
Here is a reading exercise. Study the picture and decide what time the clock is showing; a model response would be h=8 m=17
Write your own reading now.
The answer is h=8 m=6
